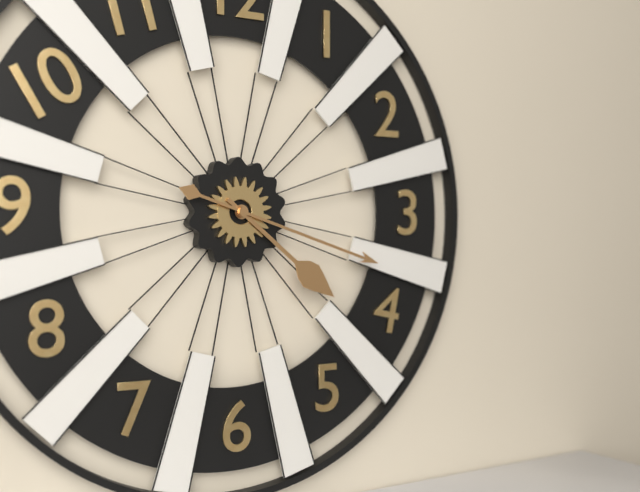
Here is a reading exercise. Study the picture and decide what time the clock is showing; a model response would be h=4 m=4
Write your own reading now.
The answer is h=4 m=18
